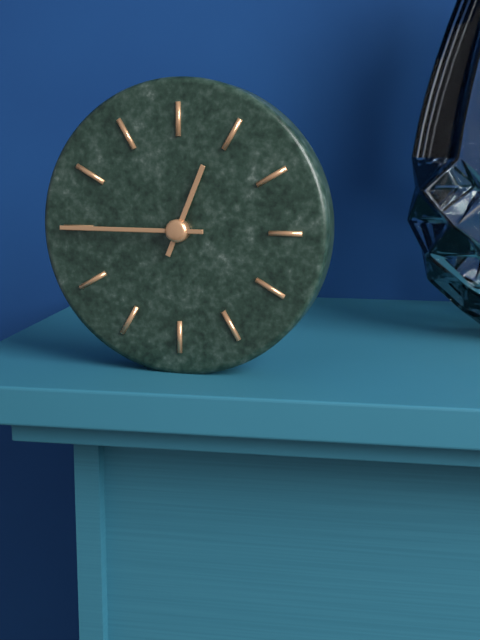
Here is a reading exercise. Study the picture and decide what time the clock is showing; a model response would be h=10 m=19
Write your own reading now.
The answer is h=12 m=45
